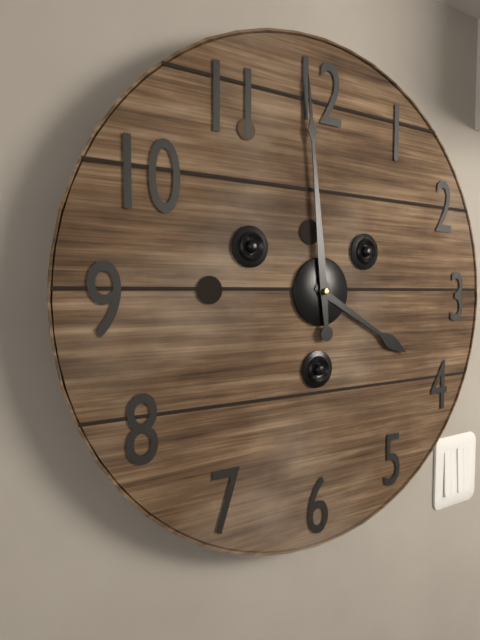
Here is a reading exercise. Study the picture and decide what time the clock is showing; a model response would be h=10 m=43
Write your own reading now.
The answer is h=3 m=59
